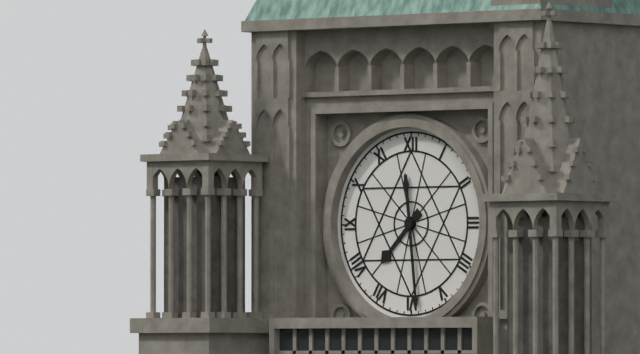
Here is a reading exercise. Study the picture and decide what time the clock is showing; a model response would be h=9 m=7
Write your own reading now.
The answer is h=7 m=29
